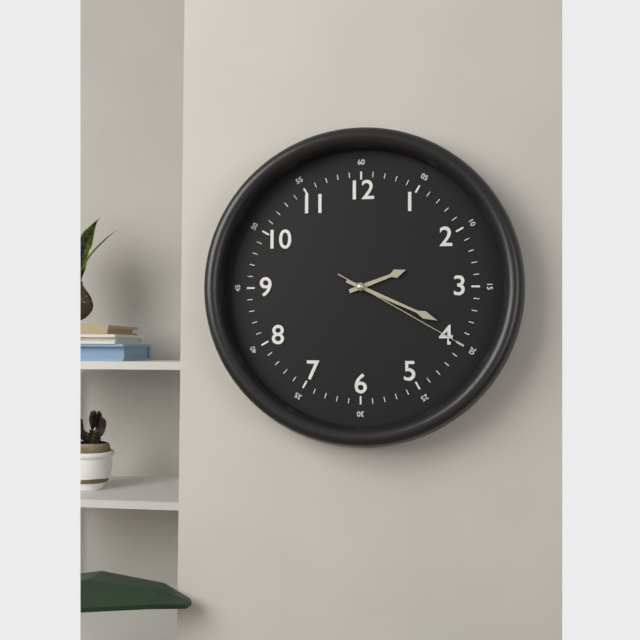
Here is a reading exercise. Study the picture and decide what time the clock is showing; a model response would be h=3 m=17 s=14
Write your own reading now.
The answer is h=2 m=19 s=20
